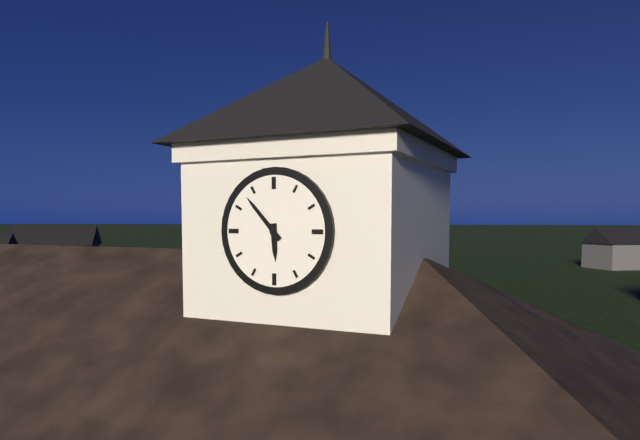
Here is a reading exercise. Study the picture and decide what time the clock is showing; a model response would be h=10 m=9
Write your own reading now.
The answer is h=5 m=53
